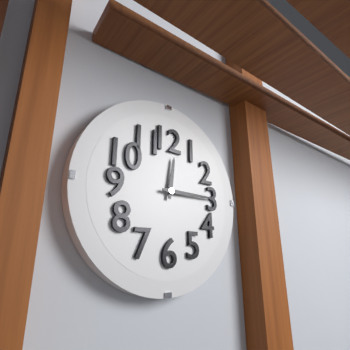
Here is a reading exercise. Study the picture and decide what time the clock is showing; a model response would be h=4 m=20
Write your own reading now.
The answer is h=12 m=15
